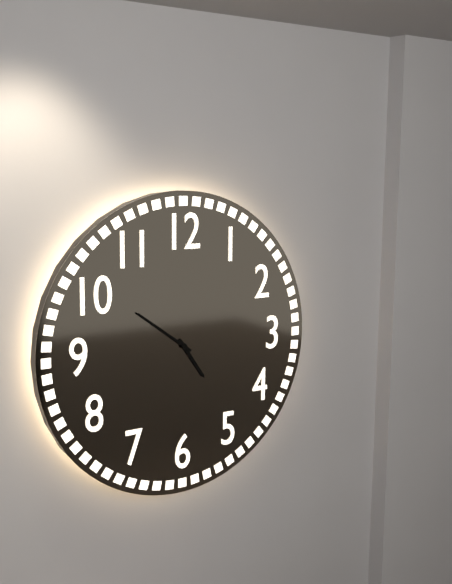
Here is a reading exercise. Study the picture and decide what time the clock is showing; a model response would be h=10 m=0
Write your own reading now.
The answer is h=4 m=51
